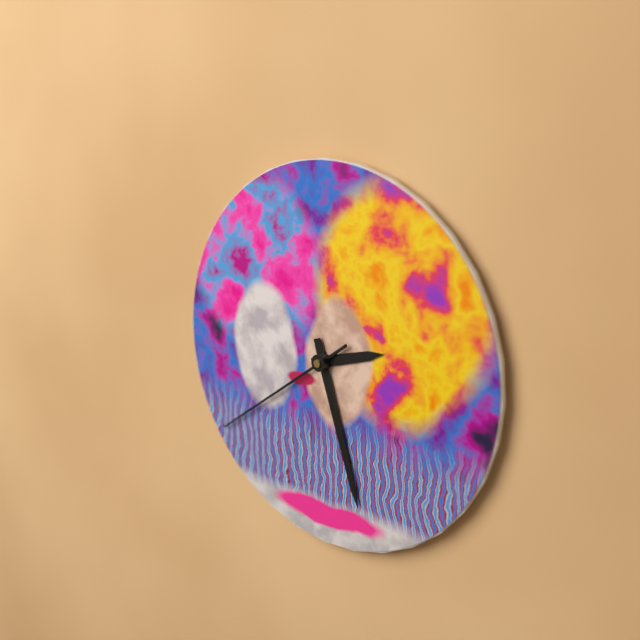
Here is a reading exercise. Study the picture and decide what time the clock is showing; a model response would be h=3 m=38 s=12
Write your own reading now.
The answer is h=2 m=27 s=39
